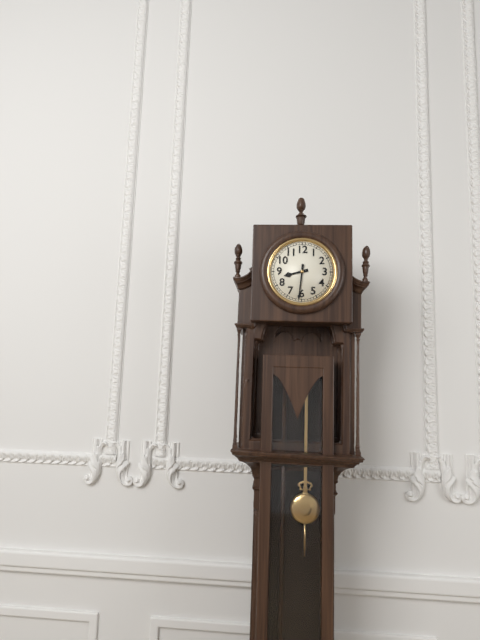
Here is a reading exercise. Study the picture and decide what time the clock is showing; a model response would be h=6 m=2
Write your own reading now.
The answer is h=8 m=31
